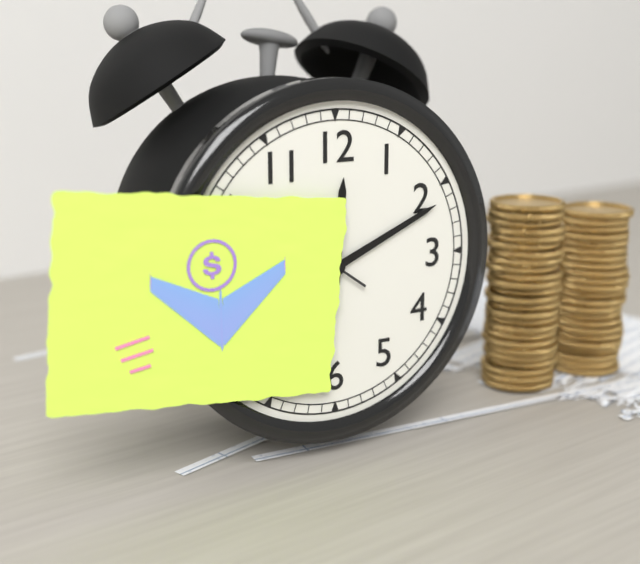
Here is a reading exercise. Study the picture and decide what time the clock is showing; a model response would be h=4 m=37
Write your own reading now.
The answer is h=12 m=11
